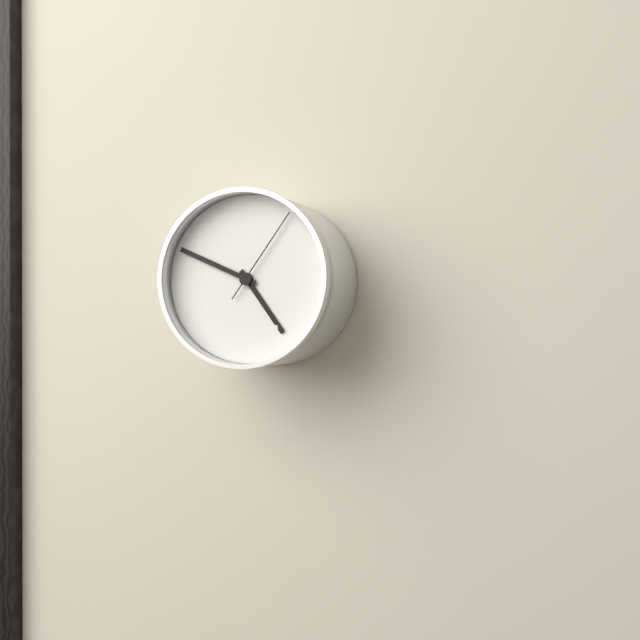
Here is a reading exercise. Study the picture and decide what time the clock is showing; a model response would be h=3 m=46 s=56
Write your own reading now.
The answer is h=4 m=49 s=6
